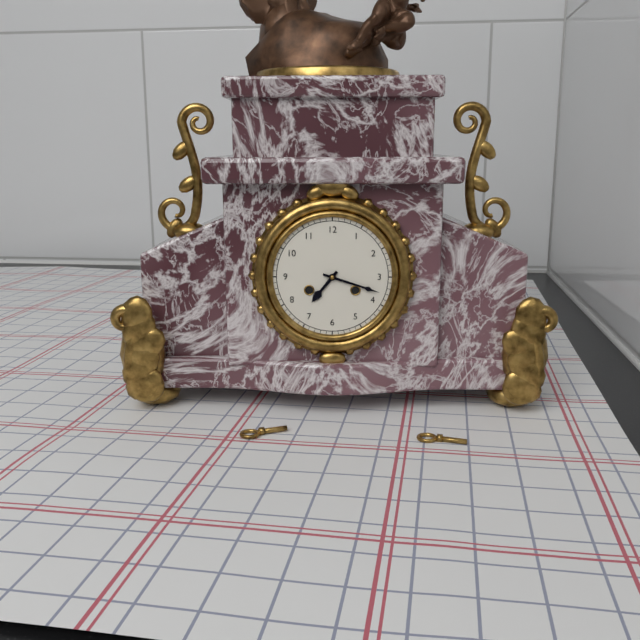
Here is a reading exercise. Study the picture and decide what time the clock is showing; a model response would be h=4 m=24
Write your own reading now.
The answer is h=7 m=18
